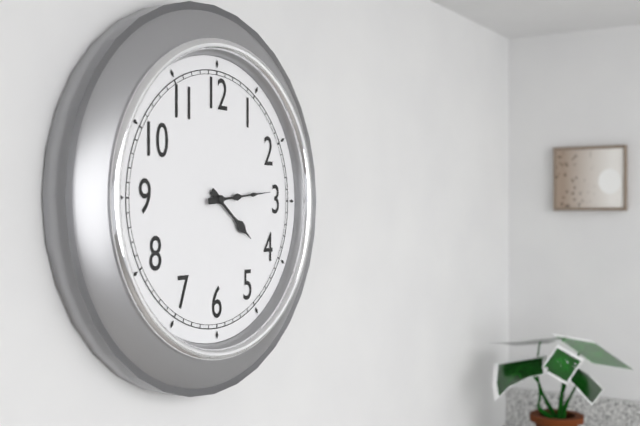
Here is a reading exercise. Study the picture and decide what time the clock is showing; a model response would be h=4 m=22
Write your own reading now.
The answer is h=4 m=14
